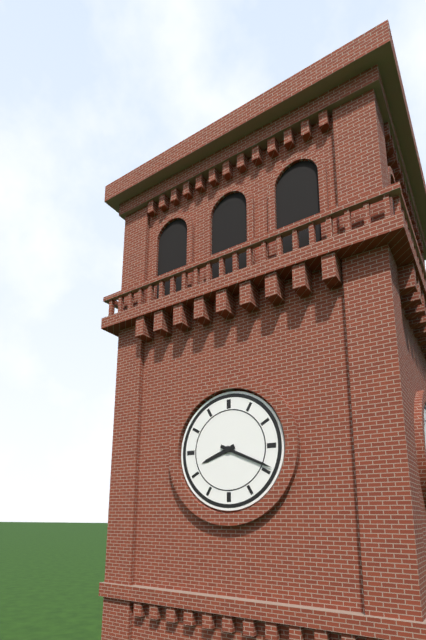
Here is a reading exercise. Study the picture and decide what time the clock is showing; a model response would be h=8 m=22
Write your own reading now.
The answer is h=8 m=19
